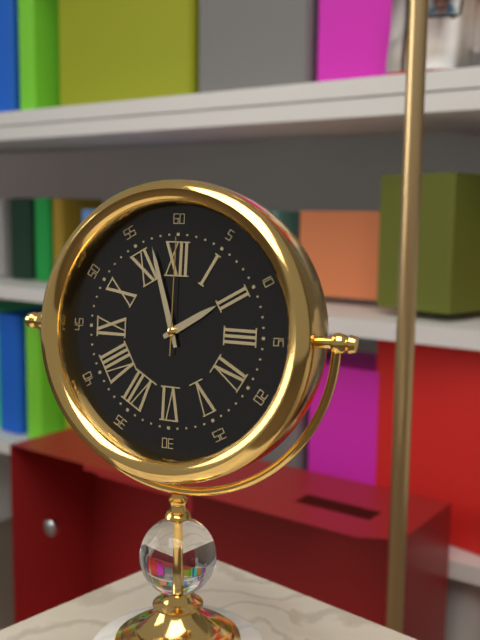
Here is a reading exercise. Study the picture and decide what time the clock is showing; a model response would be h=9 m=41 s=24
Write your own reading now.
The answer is h=1 m=57 s=0
